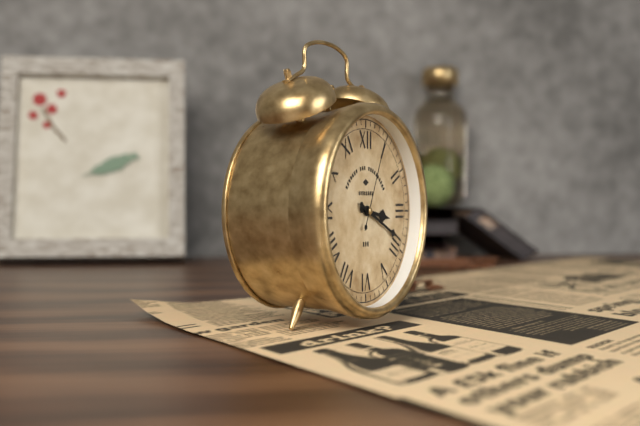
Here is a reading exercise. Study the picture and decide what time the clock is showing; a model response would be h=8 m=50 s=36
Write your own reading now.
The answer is h=3 m=19 s=4
